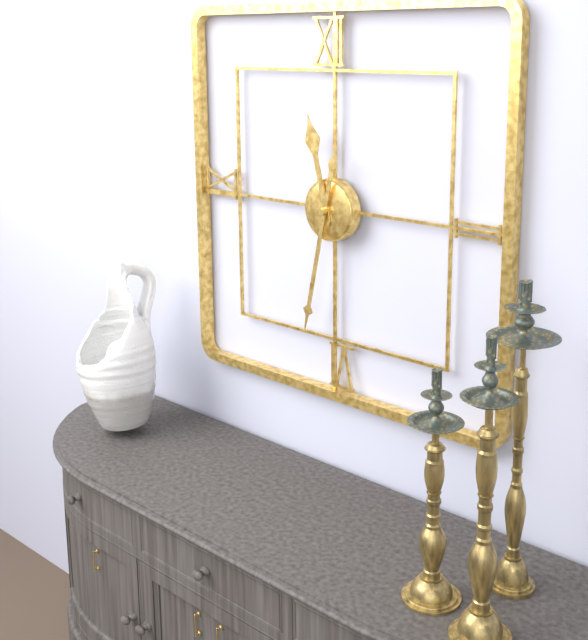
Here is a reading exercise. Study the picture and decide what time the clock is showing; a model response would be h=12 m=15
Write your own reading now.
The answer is h=11 m=32
